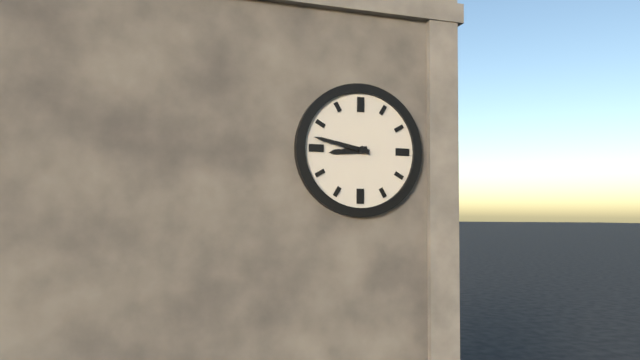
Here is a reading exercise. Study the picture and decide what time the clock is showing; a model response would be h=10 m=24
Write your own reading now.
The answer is h=8 m=47
